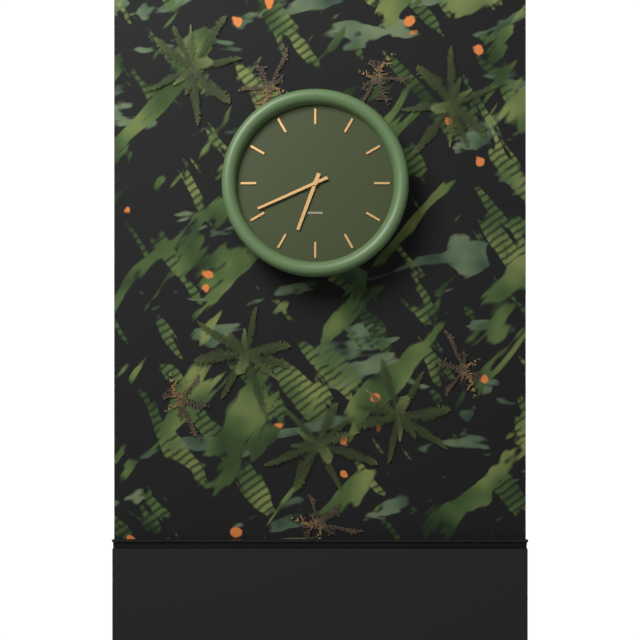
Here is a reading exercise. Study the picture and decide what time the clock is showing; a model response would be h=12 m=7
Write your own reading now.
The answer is h=6 m=41
